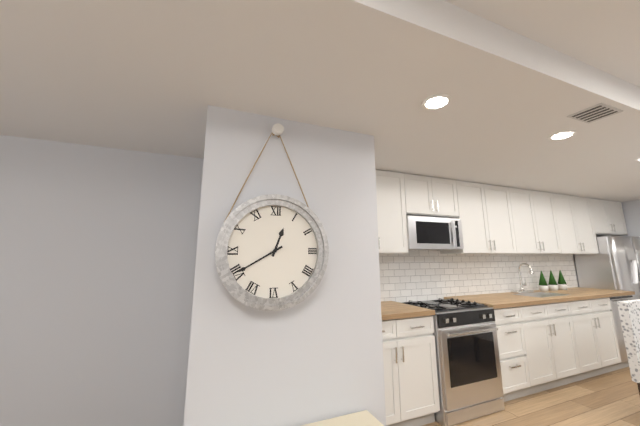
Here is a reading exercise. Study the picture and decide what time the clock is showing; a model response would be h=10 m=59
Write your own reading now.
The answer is h=12 m=40
